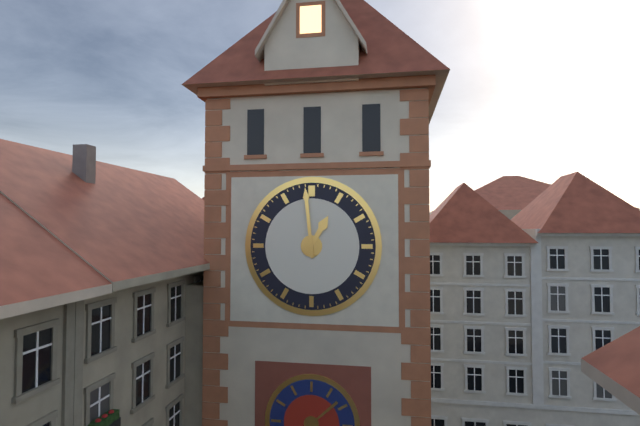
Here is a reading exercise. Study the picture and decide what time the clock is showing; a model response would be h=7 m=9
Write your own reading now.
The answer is h=12 m=59
